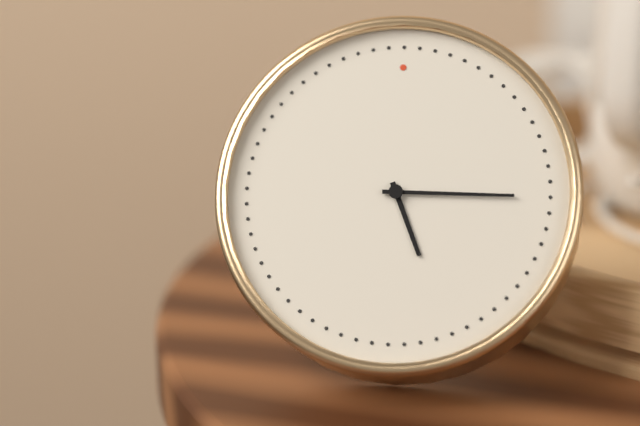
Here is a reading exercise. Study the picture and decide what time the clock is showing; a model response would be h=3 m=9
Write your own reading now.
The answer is h=5 m=15
